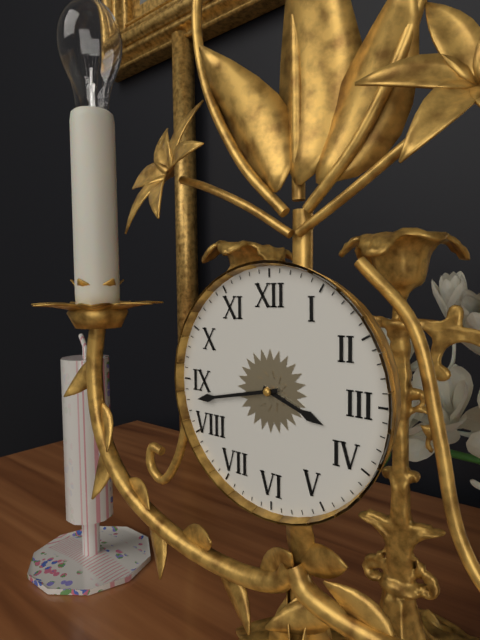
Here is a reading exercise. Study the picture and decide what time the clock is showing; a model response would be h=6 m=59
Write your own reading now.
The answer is h=3 m=43
